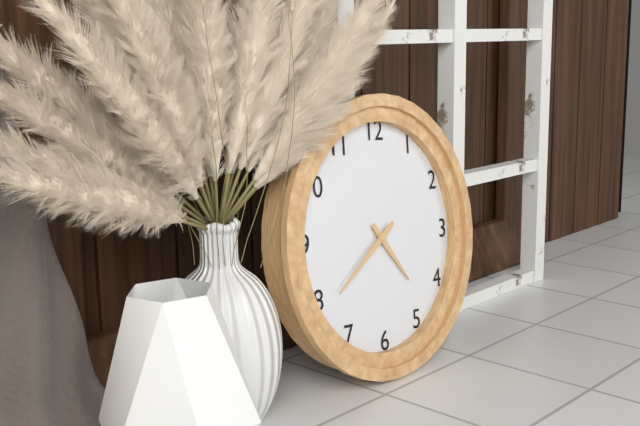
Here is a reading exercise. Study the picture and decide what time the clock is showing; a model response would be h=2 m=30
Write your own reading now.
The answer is h=4 m=39
